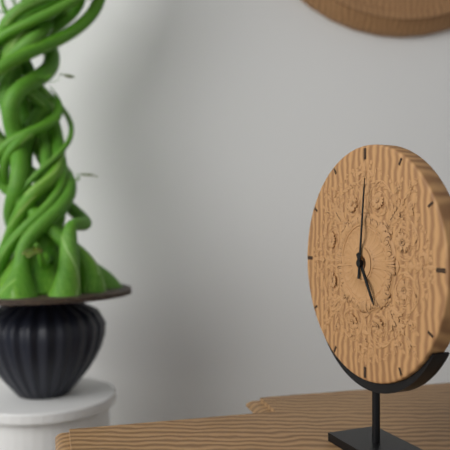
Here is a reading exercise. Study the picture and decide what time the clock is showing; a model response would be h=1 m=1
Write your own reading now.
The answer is h=5 m=1
